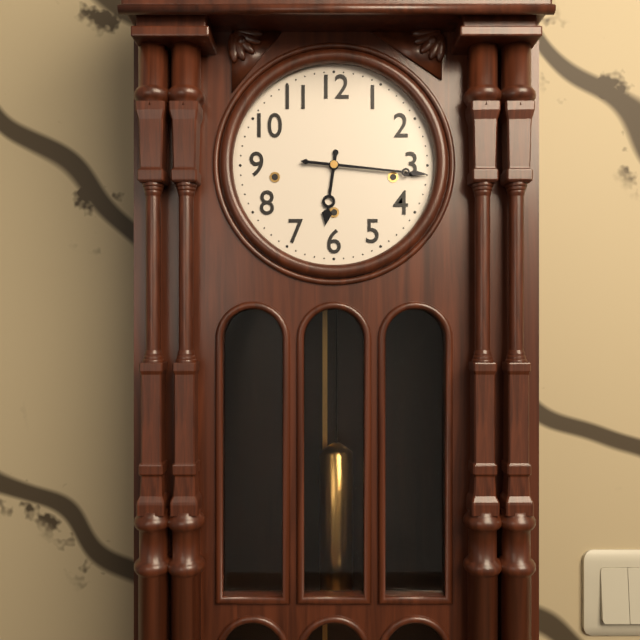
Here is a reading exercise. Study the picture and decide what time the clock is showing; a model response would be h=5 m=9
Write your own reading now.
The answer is h=6 m=16
